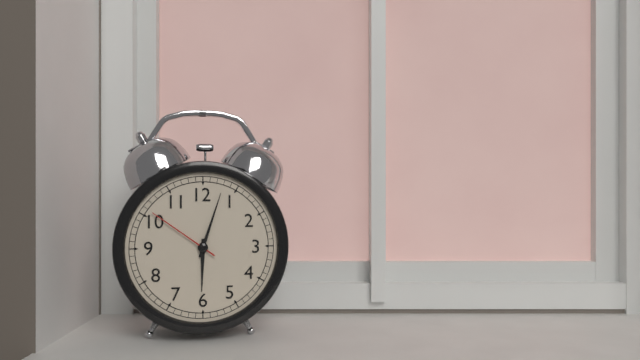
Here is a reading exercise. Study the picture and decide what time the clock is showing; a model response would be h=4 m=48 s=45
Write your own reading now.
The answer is h=6 m=3 s=51
